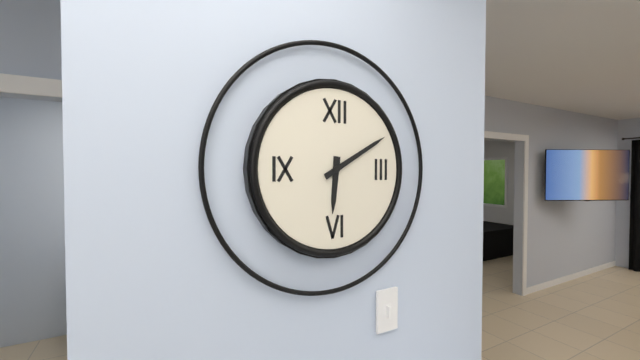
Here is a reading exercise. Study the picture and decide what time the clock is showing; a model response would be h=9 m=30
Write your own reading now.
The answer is h=6 m=10
